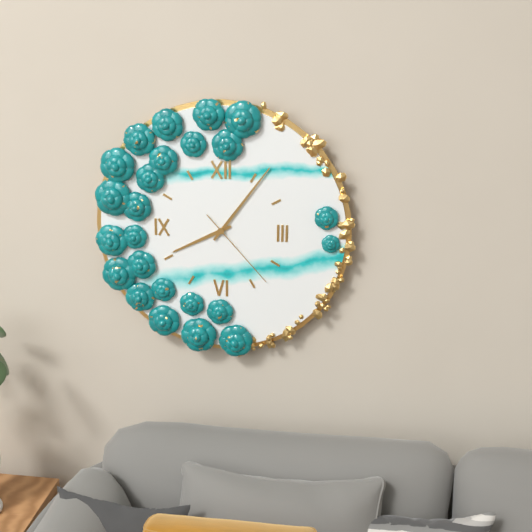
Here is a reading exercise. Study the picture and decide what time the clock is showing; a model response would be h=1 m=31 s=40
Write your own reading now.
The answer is h=8 m=6 s=23
